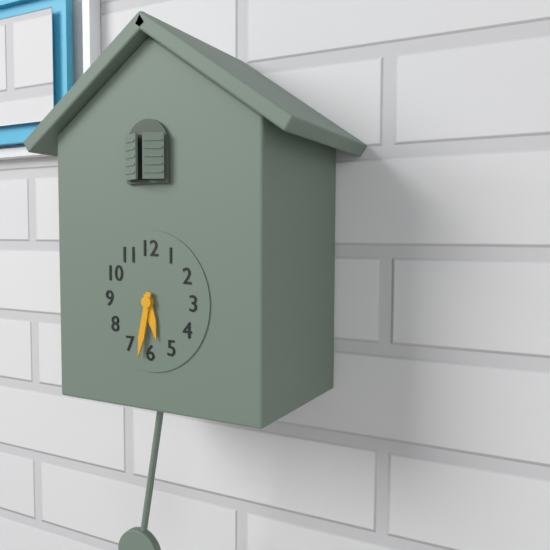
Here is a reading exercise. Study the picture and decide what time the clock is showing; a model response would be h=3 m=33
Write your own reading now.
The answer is h=5 m=32
